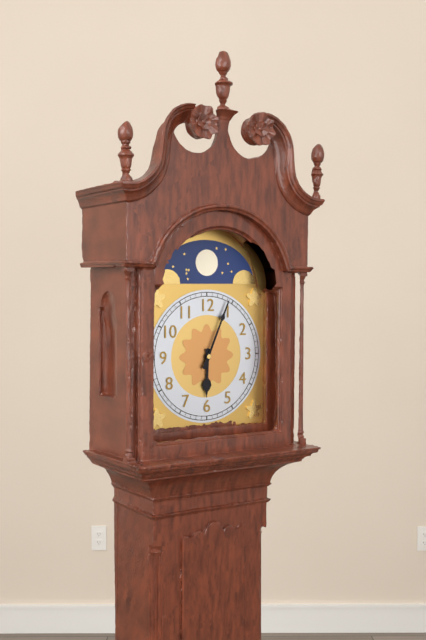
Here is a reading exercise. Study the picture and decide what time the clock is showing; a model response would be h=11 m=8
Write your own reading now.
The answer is h=6 m=4
